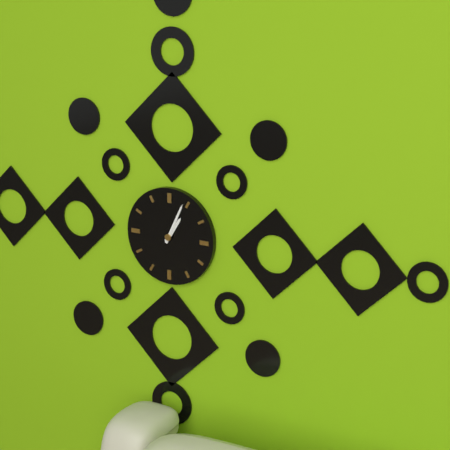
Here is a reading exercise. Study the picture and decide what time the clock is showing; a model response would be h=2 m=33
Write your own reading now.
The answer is h=1 m=4
